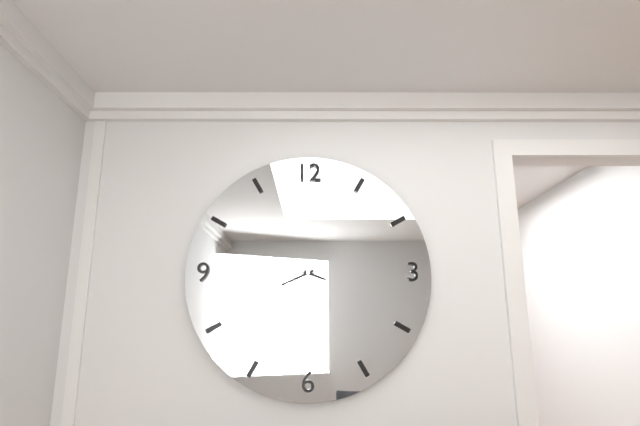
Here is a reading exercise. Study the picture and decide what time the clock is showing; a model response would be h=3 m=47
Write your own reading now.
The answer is h=3 m=41
